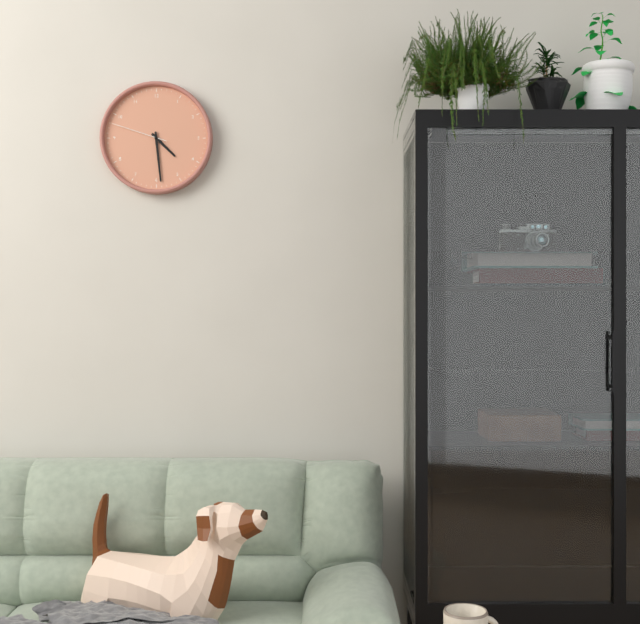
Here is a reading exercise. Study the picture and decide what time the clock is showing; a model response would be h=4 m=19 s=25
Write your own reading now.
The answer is h=4 m=29 s=48
